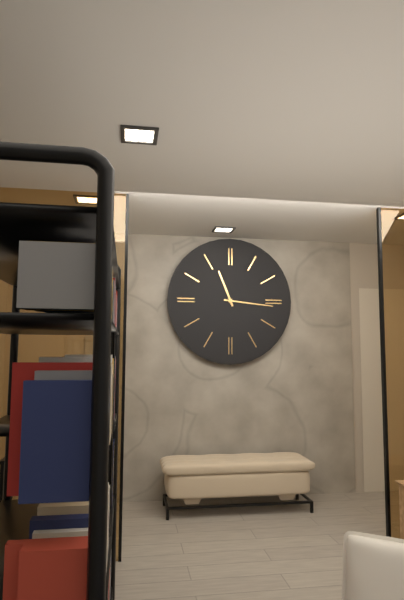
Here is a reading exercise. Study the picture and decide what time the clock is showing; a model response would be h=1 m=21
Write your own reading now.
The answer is h=11 m=16
